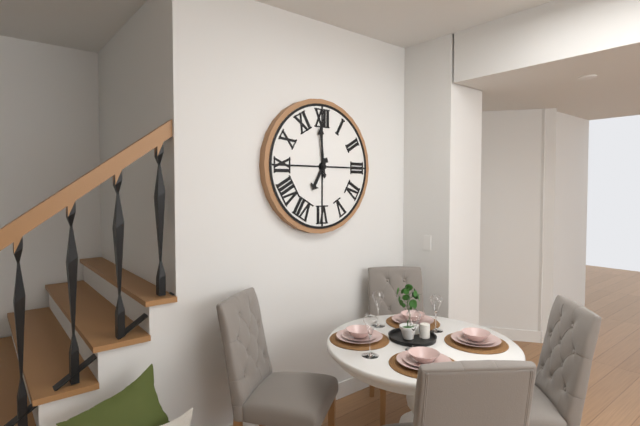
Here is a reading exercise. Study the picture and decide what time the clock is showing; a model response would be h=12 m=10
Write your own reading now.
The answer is h=6 m=59
